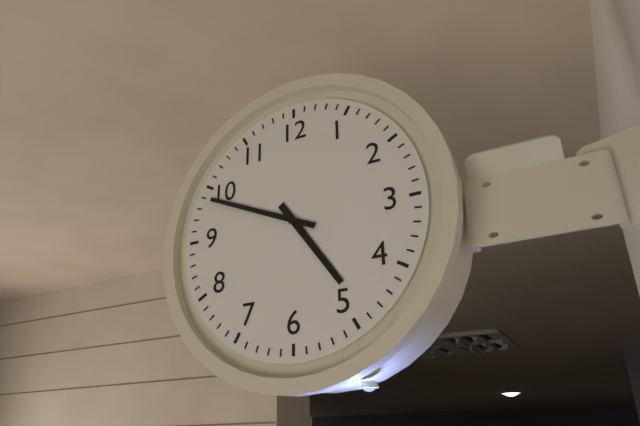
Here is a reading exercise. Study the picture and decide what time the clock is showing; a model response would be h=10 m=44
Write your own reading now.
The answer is h=4 m=49
